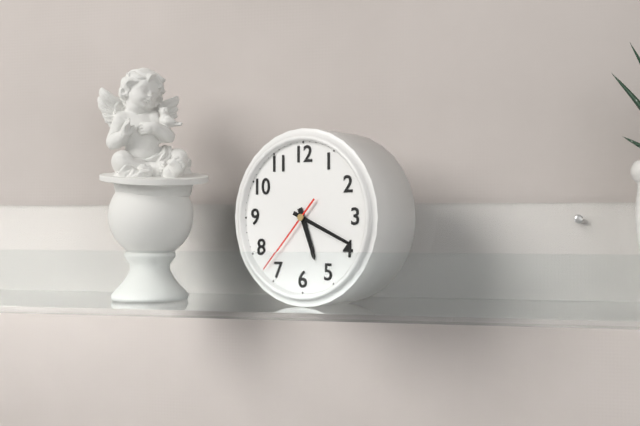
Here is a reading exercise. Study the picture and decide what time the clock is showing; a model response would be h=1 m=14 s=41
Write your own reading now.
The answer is h=5 m=19 s=37
